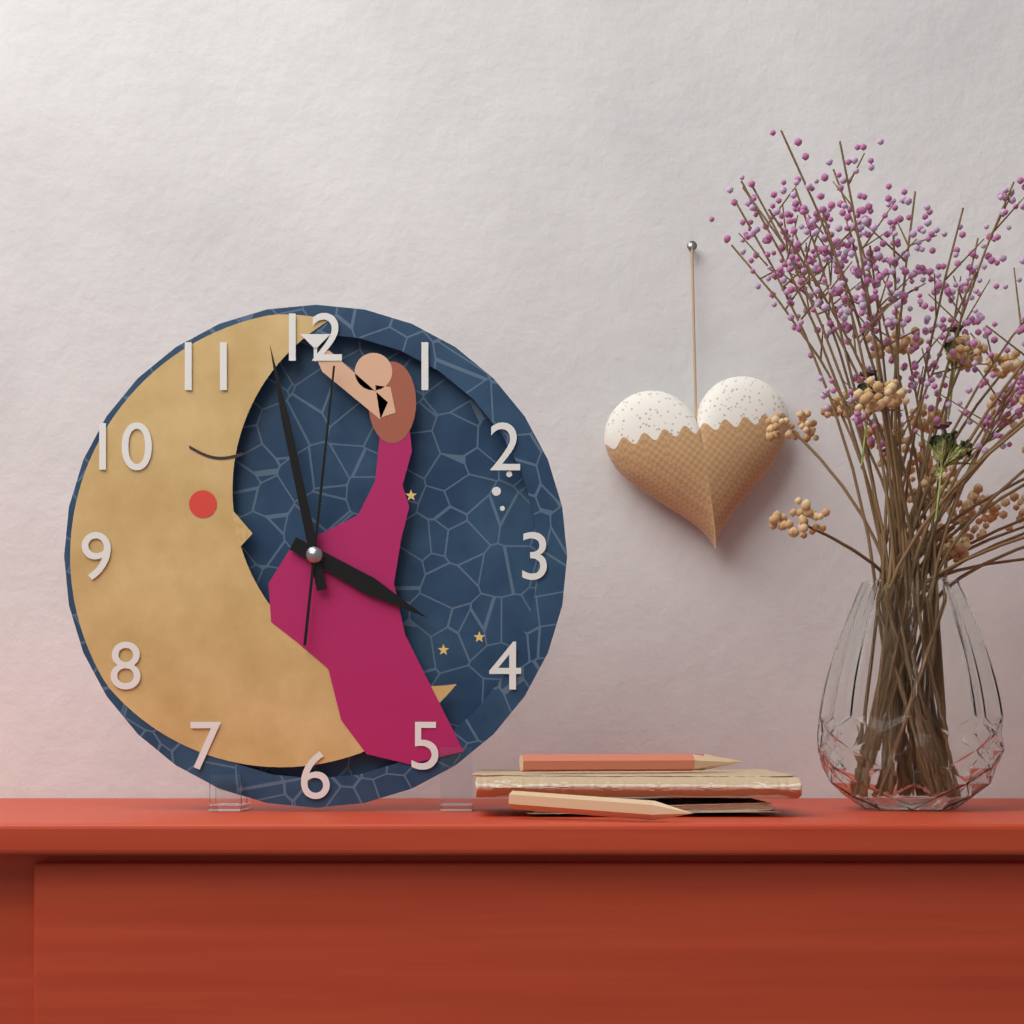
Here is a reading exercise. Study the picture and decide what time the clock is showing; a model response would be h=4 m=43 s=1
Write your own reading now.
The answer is h=3 m=58 s=1
